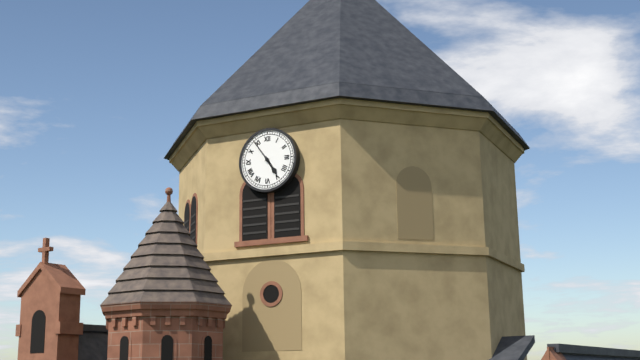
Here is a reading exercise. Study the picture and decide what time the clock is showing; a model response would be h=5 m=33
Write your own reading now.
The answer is h=4 m=54
